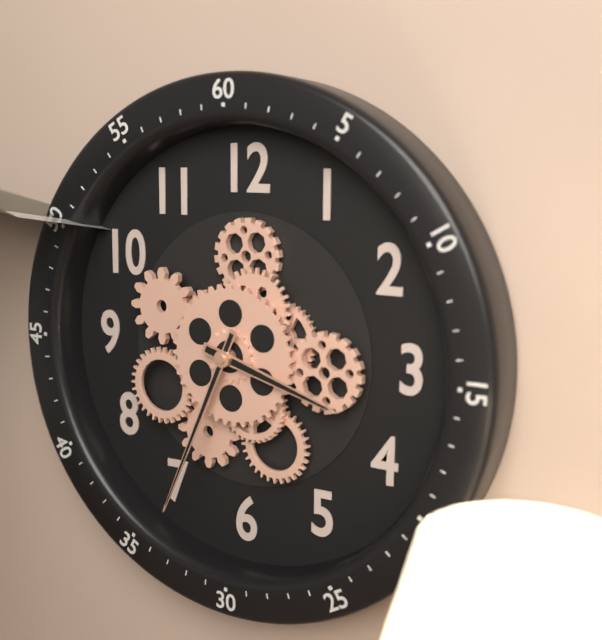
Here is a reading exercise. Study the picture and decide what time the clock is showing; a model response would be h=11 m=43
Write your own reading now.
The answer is h=3 m=34
